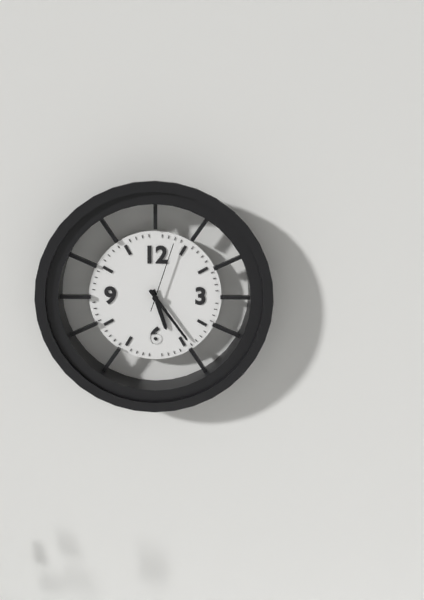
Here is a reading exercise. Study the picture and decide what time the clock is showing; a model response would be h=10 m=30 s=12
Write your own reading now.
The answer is h=5 m=24 s=3
